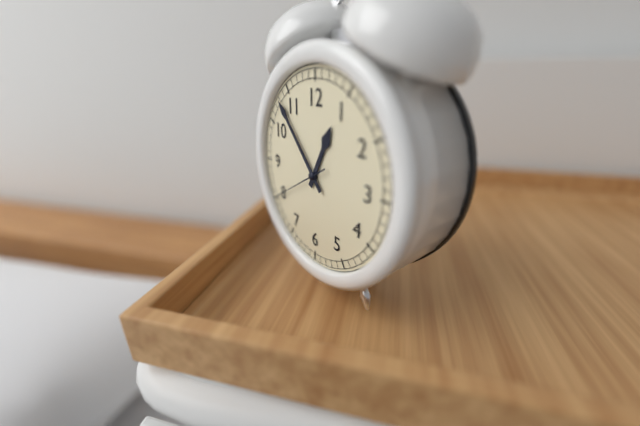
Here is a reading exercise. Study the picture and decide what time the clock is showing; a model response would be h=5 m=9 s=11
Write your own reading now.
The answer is h=12 m=53 s=40
